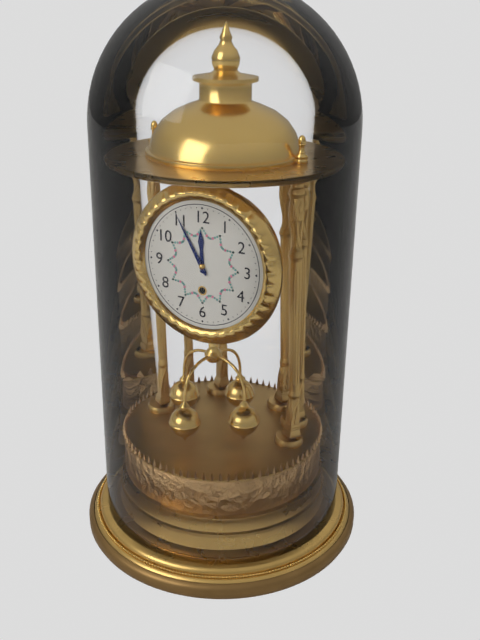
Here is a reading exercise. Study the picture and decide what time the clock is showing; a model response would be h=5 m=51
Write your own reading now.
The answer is h=11 m=55
